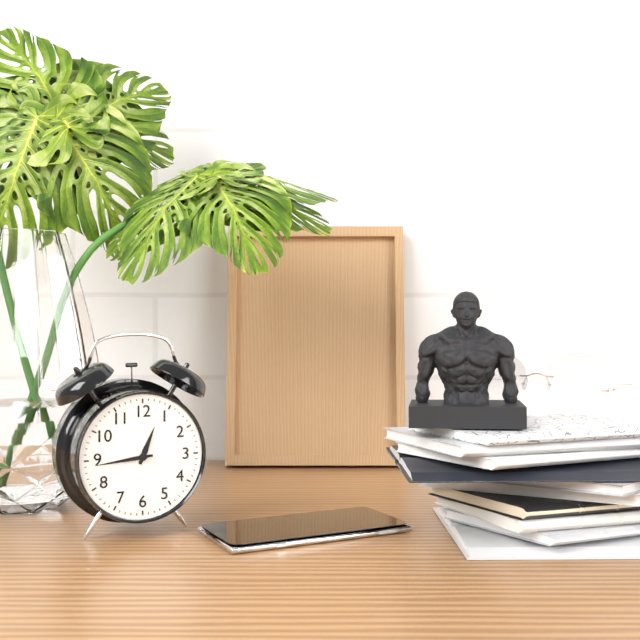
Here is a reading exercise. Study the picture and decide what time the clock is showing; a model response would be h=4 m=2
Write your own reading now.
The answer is h=12 m=44
